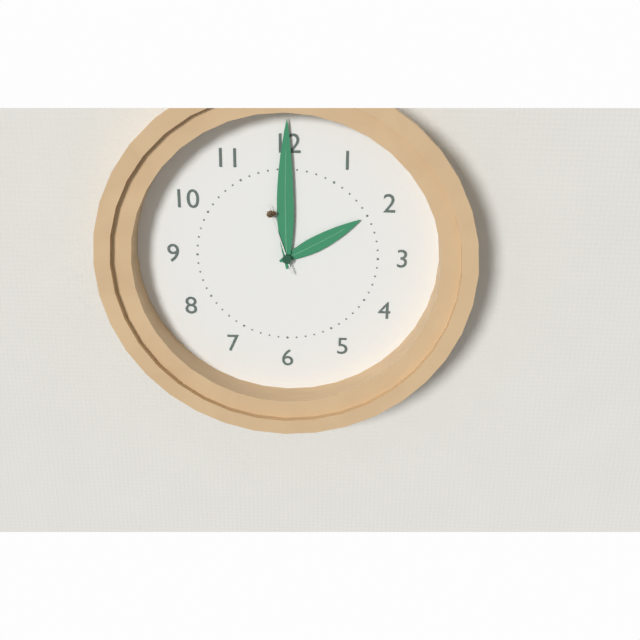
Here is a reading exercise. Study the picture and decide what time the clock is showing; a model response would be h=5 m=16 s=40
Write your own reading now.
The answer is h=2 m=0 s=57
